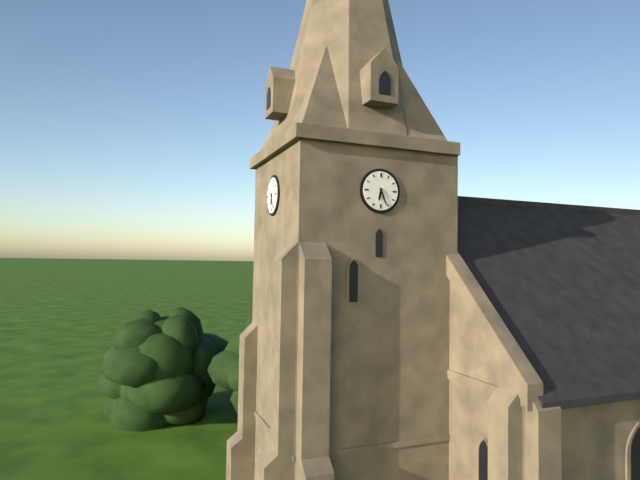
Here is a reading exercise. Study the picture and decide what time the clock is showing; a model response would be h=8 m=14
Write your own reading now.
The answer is h=6 m=26
